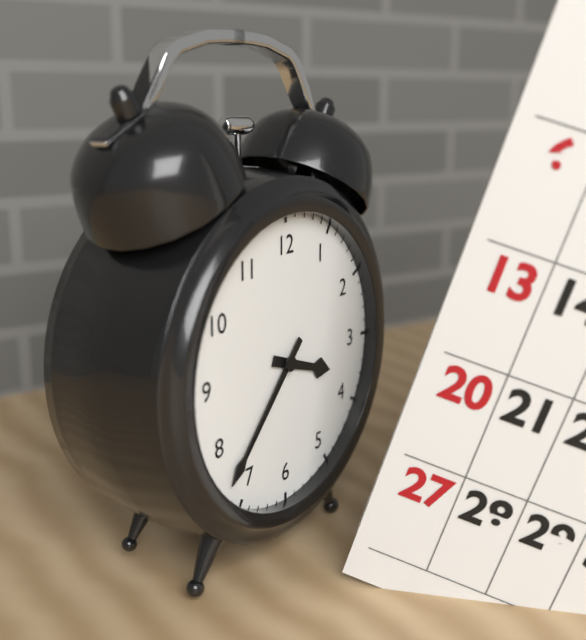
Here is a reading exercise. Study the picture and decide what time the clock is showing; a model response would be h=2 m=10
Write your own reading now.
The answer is h=3 m=37
